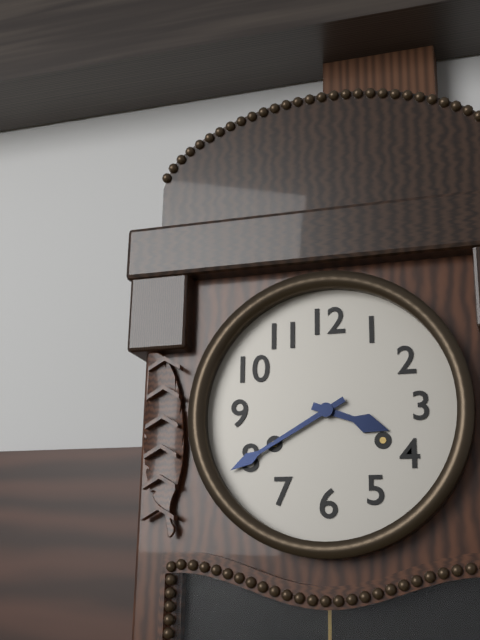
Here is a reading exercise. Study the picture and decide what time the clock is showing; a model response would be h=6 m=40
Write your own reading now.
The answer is h=3 m=40
